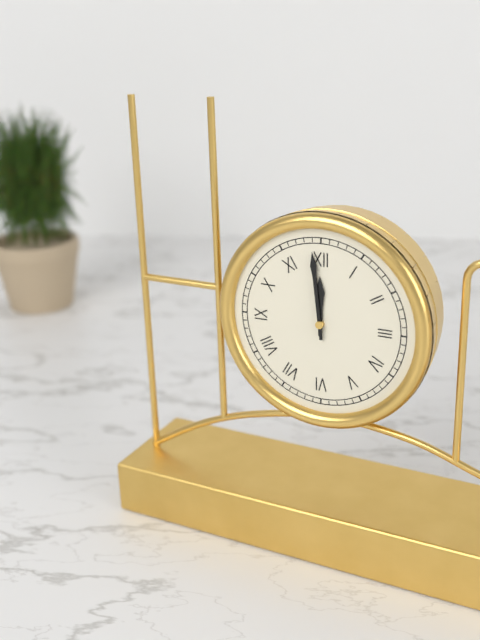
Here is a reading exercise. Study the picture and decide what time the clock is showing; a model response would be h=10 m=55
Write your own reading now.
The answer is h=11 m=59
